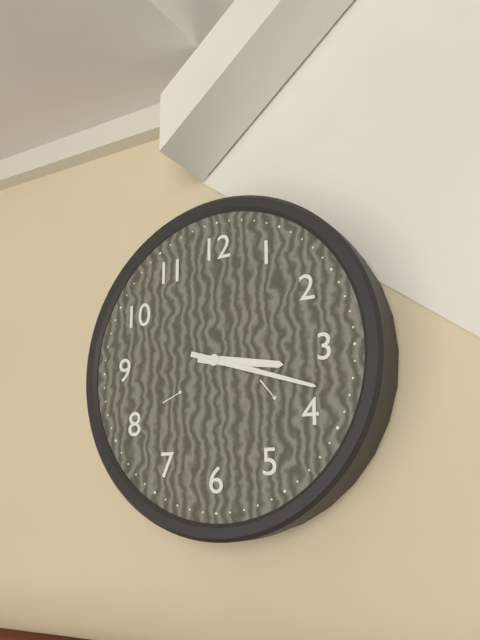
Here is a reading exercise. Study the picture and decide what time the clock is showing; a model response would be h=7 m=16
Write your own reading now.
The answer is h=3 m=18
